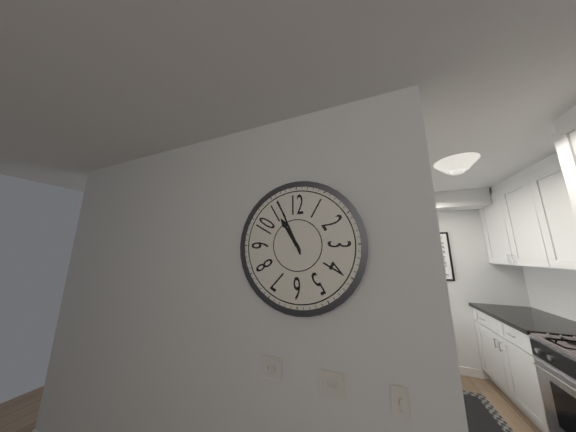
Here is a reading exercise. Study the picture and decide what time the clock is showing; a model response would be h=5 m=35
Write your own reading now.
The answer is h=10 m=56
